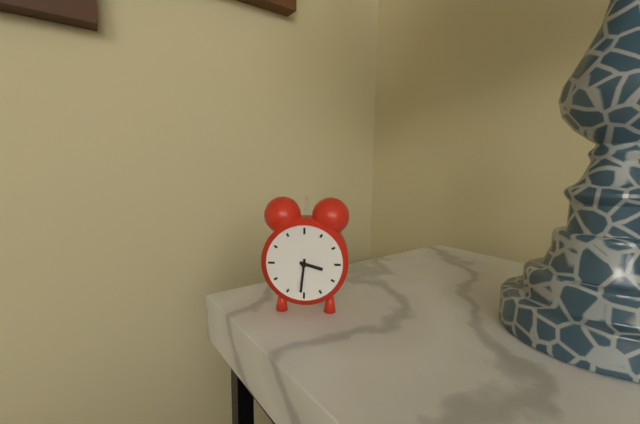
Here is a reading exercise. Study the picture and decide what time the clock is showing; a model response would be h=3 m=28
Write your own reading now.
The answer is h=3 m=31
